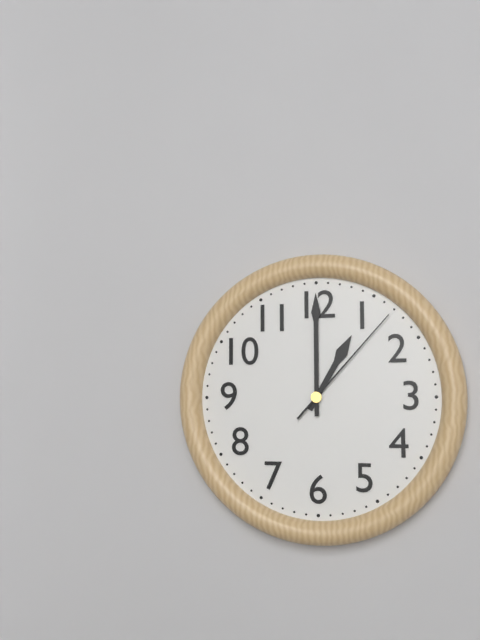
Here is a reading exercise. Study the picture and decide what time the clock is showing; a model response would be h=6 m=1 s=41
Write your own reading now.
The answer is h=1 m=0 s=7
